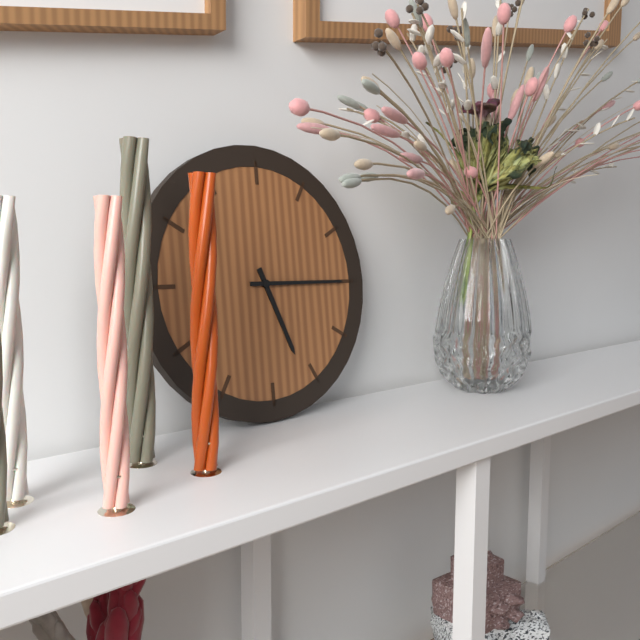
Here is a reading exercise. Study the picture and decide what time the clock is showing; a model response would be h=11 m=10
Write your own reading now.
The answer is h=5 m=15
